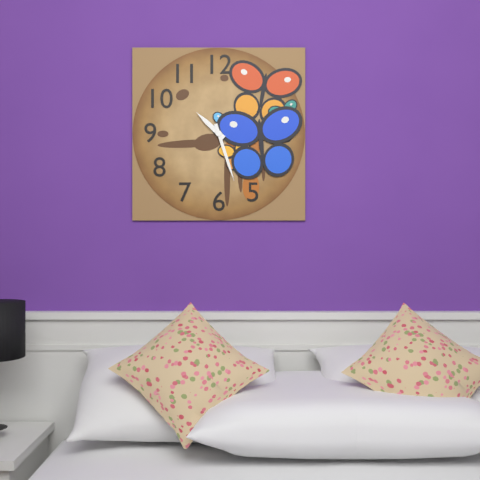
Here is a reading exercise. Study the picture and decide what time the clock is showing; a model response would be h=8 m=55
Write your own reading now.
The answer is h=10 m=27
